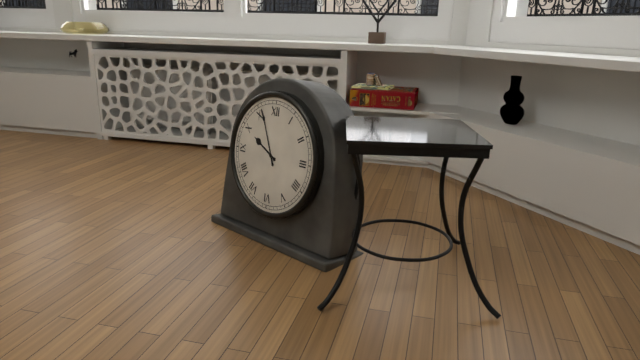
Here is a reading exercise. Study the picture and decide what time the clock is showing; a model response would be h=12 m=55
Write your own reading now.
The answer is h=9 m=56
